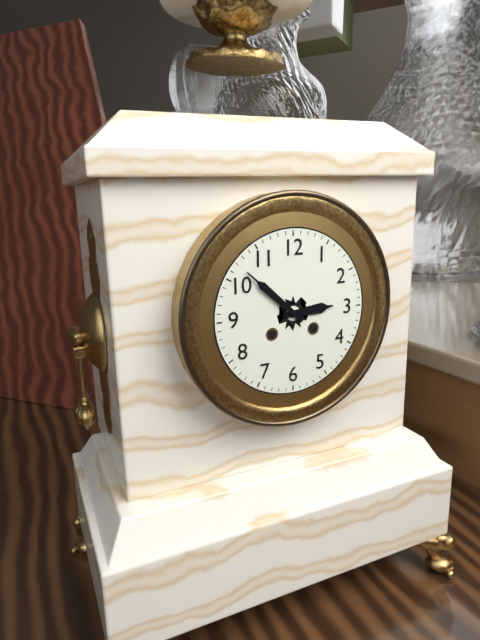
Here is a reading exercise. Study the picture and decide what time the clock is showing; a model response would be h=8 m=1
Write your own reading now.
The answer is h=2 m=52
